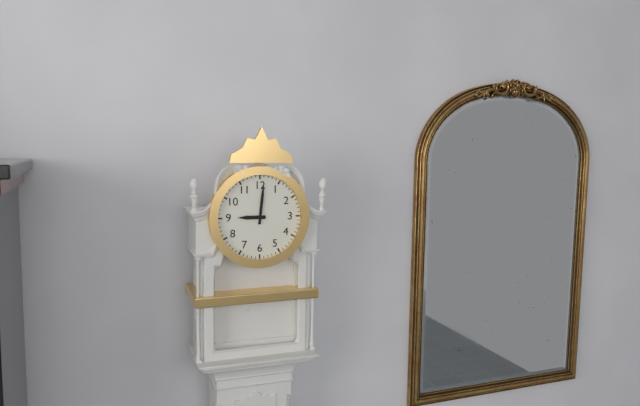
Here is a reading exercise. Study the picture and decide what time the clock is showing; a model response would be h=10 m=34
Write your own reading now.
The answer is h=9 m=1
